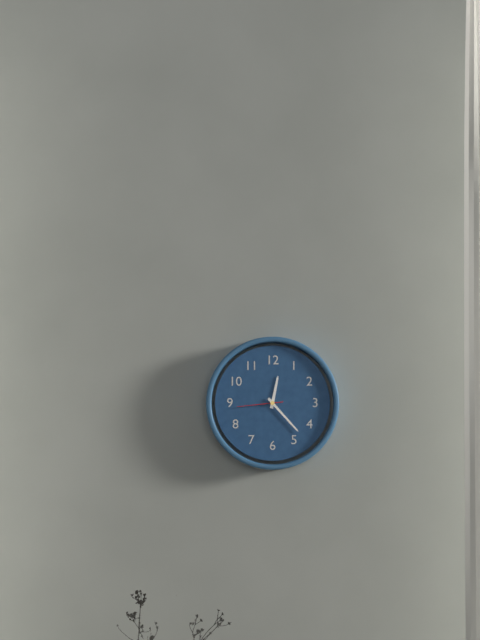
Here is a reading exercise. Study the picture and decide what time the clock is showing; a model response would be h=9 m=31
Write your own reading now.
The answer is h=12 m=23
